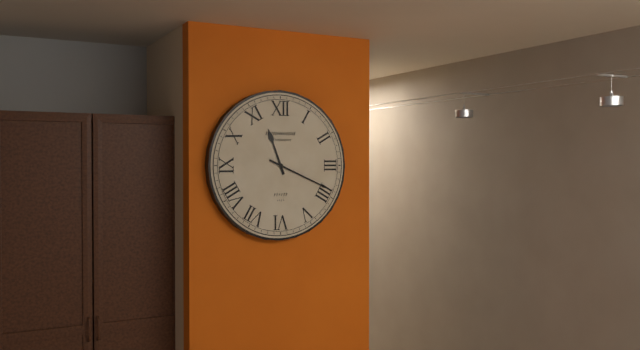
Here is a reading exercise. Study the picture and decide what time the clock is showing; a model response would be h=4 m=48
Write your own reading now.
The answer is h=11 m=19
